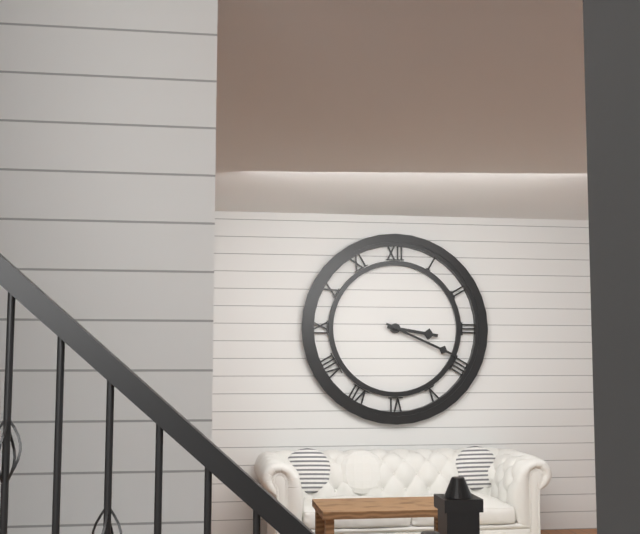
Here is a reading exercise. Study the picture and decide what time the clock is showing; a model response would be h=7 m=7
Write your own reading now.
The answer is h=3 m=19
